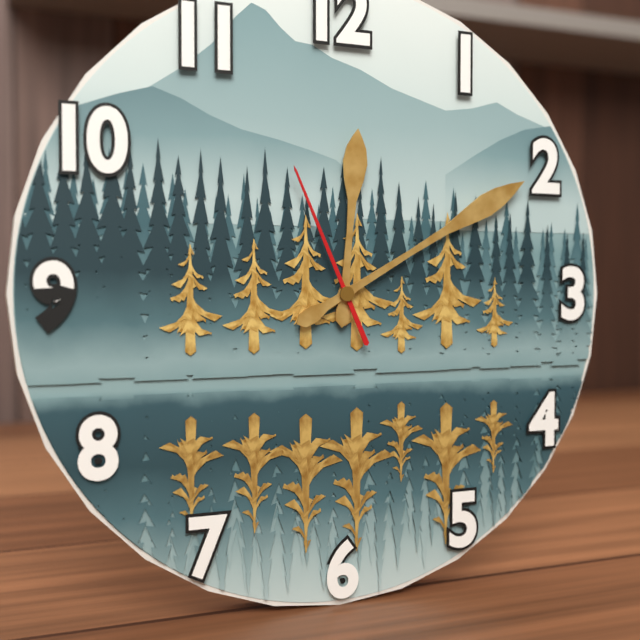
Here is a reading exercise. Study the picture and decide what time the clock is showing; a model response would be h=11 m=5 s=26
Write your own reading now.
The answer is h=12 m=10 s=56
